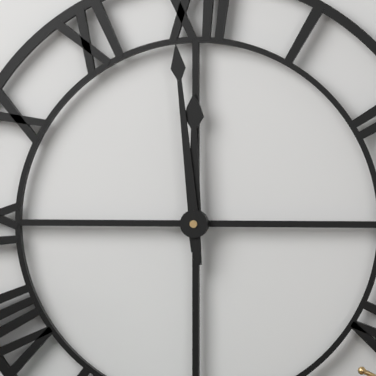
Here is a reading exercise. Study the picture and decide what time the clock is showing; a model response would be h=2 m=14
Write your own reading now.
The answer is h=11 m=59
